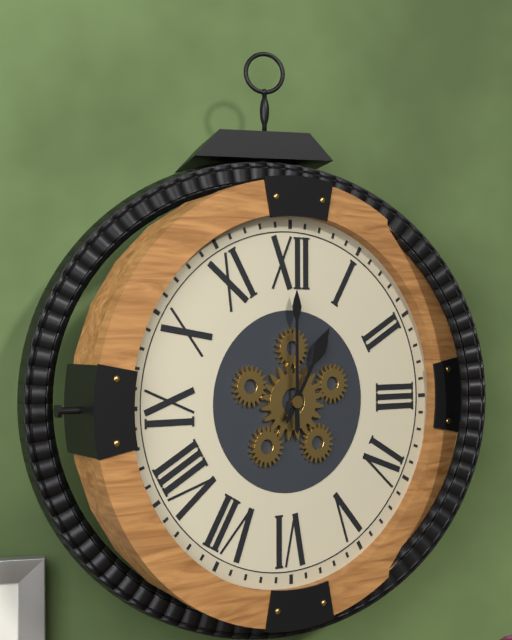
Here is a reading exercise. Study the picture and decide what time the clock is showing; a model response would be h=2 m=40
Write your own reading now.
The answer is h=1 m=0
